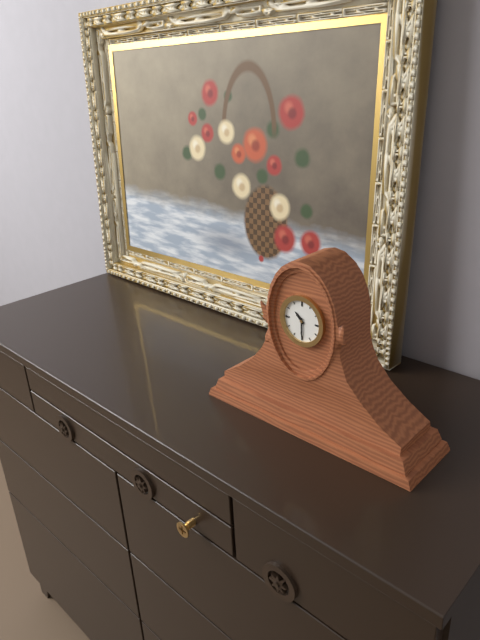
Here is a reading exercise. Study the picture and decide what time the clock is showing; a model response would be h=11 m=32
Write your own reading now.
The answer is h=10 m=30
